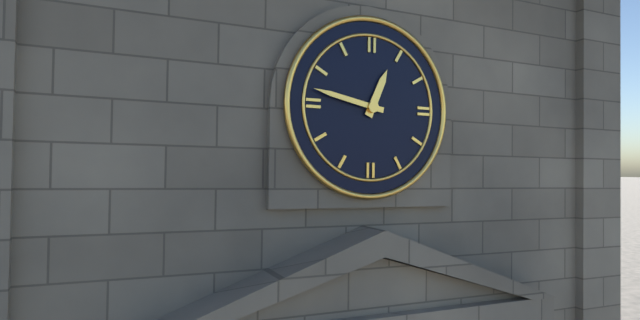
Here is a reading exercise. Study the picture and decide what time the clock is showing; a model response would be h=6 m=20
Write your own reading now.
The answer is h=12 m=47
